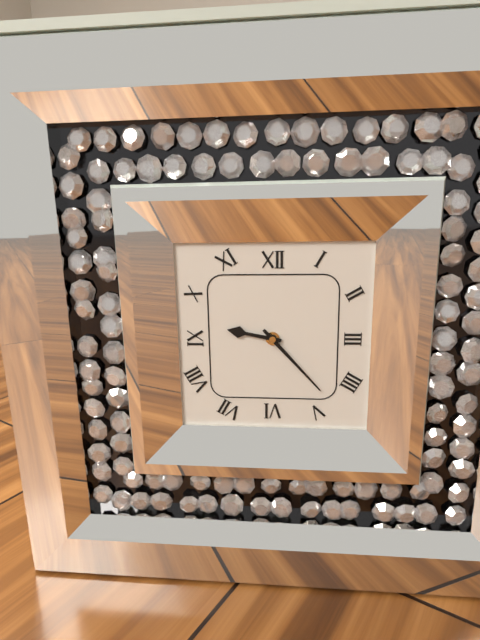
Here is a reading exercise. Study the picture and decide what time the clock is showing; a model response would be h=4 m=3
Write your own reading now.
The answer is h=9 m=23
